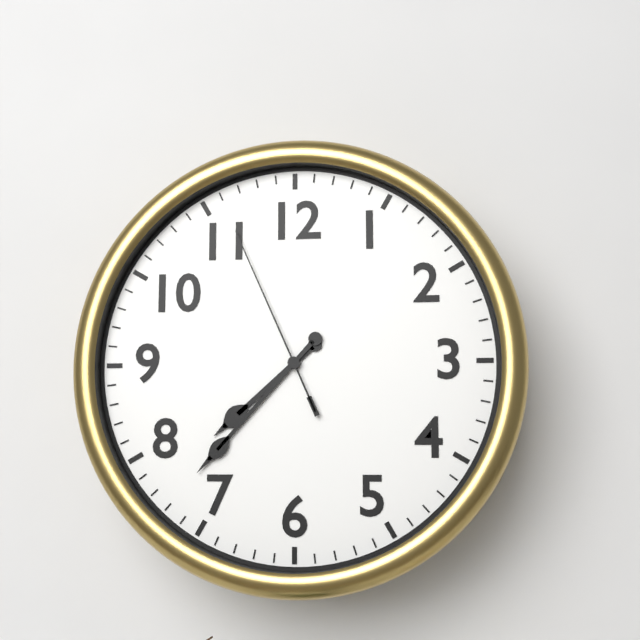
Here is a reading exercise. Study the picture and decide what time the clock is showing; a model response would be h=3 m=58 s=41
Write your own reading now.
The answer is h=7 m=37 s=56
